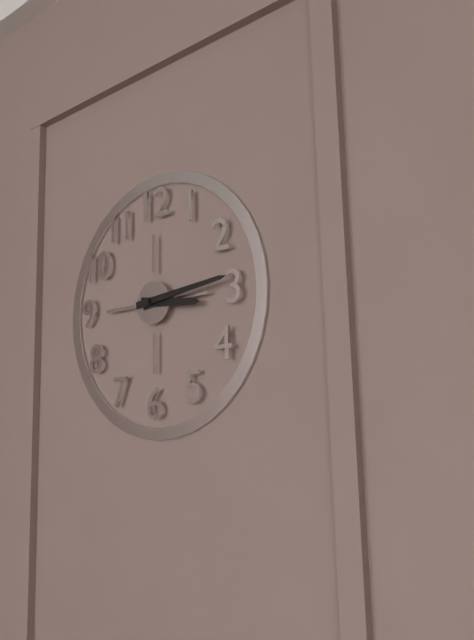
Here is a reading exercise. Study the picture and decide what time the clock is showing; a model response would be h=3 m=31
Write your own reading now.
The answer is h=3 m=14
